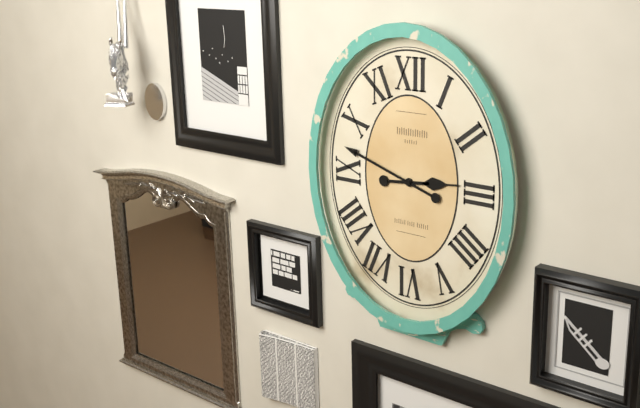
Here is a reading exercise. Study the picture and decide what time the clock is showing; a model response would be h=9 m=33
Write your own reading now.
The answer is h=2 m=48
